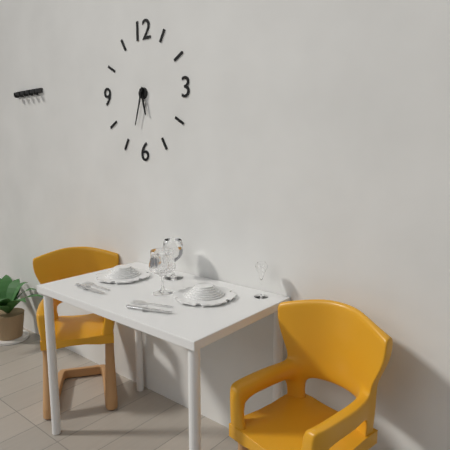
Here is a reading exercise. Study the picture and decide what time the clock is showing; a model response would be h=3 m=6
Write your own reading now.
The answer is h=5 m=33
